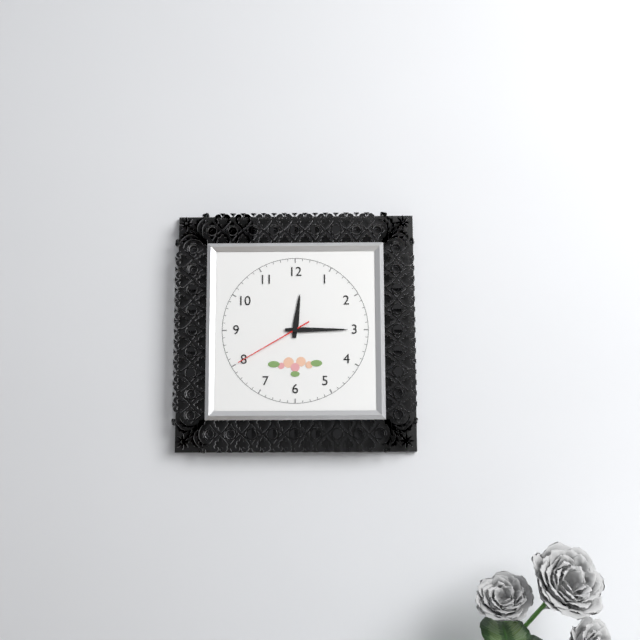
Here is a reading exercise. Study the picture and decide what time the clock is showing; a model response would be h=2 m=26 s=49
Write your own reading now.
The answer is h=12 m=15 s=40
